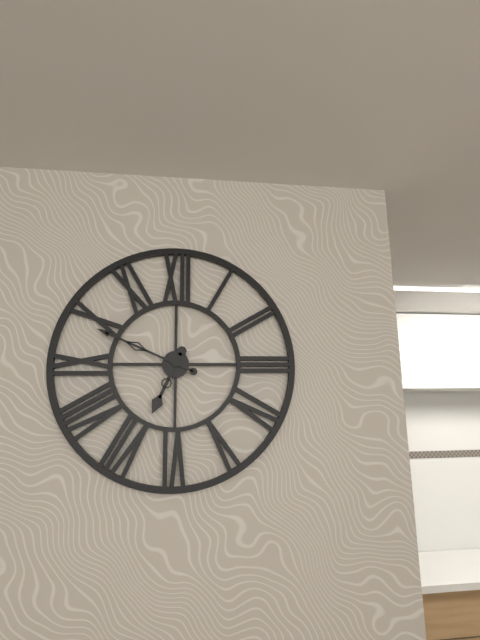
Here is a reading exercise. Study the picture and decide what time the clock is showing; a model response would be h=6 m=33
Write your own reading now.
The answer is h=6 m=49
